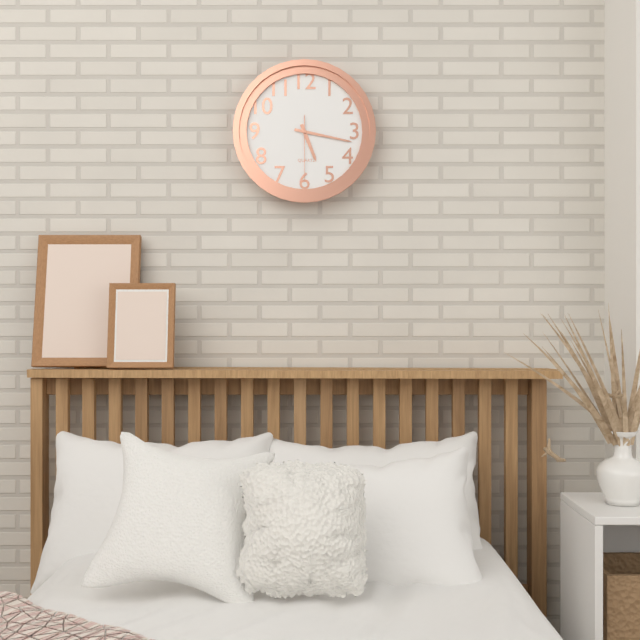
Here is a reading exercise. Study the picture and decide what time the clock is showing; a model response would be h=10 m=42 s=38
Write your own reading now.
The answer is h=5 m=17 s=30
